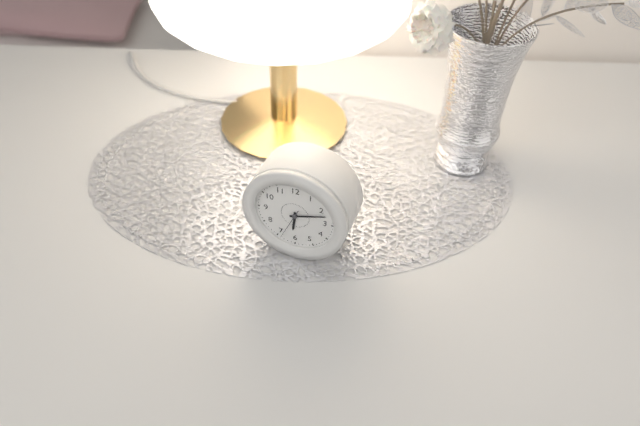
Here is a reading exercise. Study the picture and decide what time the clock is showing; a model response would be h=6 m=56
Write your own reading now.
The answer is h=6 m=12
